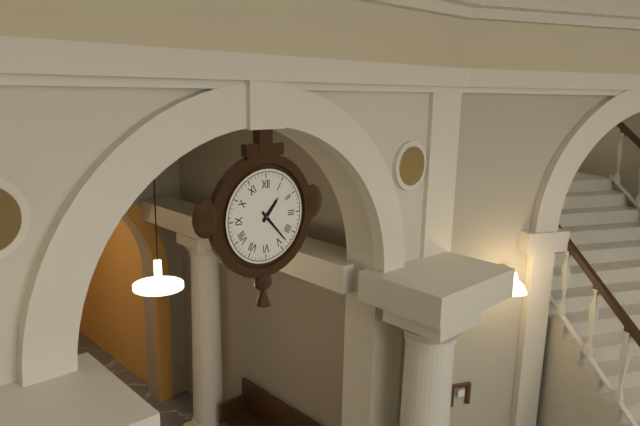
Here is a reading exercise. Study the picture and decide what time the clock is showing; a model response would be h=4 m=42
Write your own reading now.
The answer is h=1 m=23
